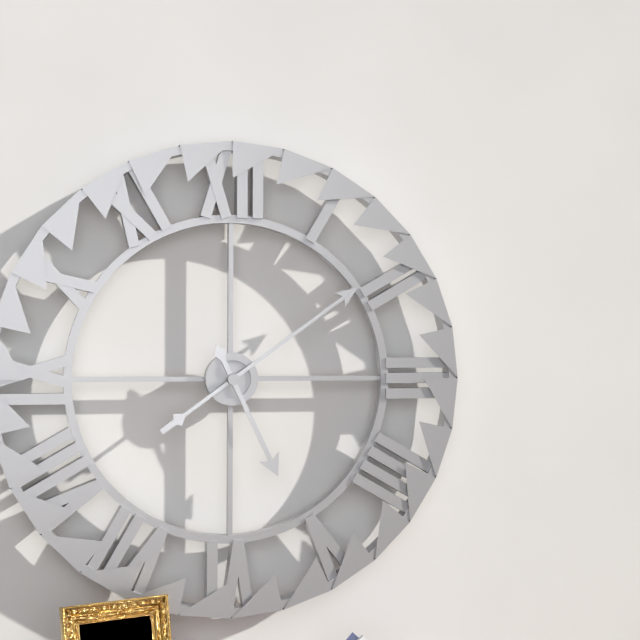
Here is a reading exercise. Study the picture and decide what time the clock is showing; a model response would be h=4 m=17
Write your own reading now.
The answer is h=5 m=9
